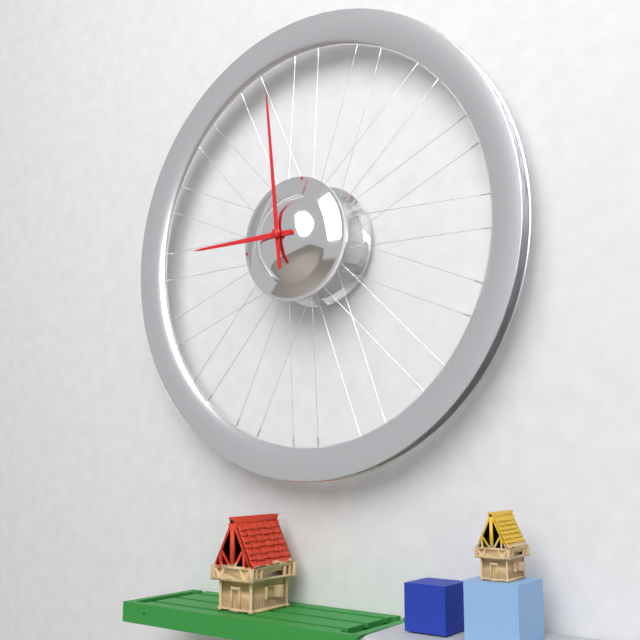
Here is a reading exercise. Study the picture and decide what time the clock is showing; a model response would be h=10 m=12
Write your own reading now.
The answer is h=8 m=59
